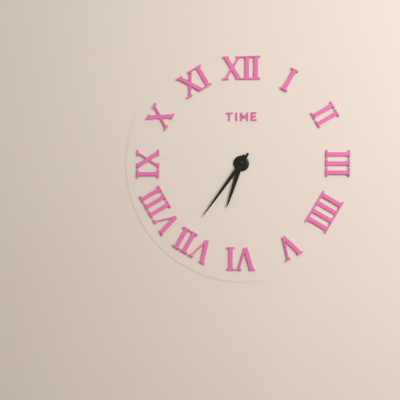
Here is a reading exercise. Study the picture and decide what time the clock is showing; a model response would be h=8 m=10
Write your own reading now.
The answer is h=6 m=36
